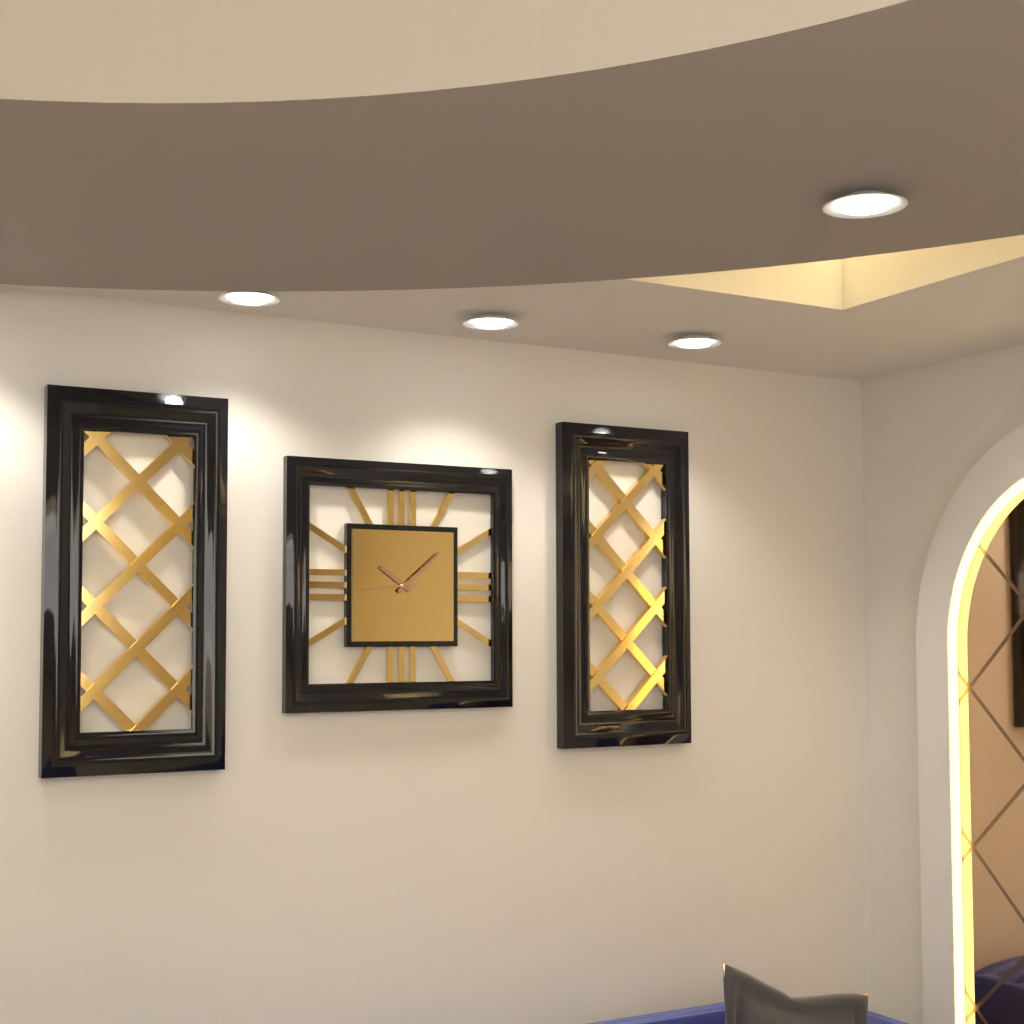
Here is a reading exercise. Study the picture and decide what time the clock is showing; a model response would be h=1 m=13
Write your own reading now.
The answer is h=10 m=8
